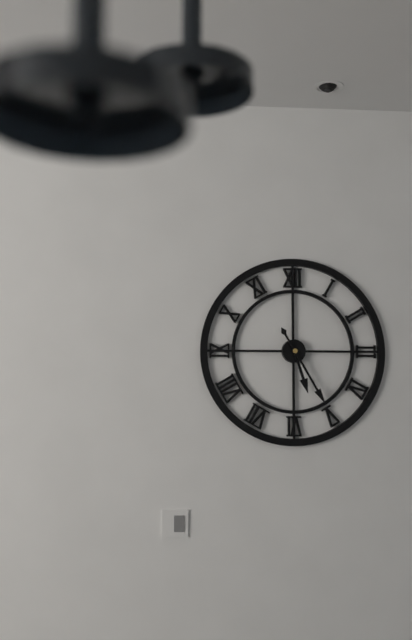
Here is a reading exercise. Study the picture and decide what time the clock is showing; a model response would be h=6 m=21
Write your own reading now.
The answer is h=5 m=25
